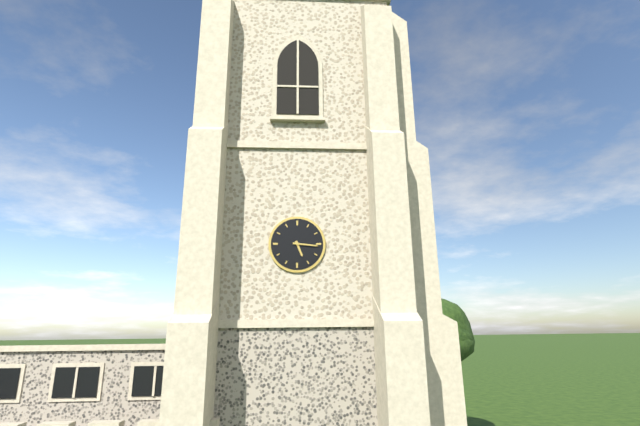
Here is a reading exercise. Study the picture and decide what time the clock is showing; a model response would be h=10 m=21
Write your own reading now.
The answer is h=5 m=16
